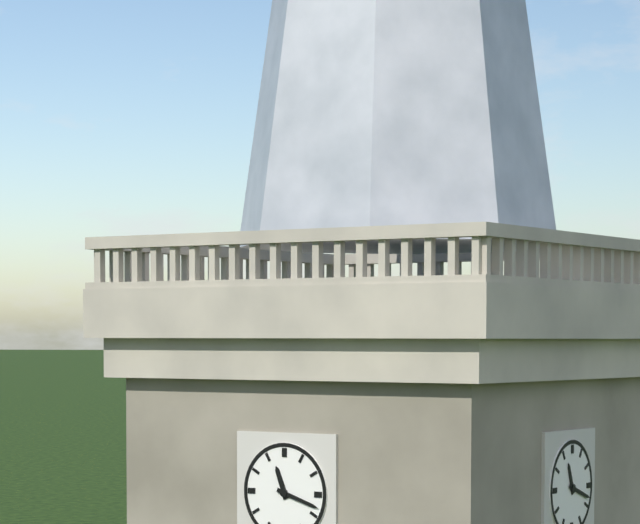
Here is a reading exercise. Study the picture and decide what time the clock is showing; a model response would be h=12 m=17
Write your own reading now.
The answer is h=11 m=18
